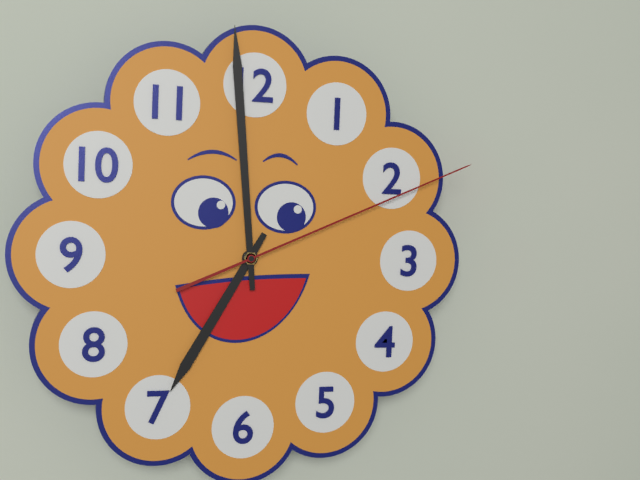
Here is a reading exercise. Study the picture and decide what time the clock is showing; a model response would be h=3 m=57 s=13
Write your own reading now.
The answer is h=6 m=59 s=11
